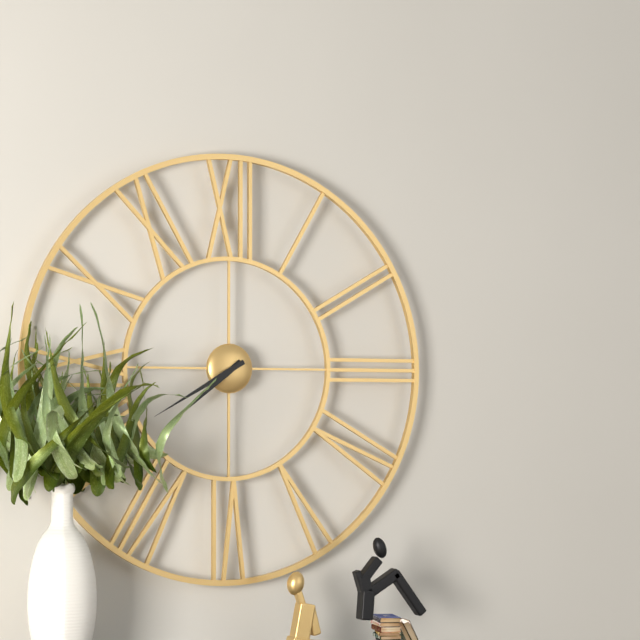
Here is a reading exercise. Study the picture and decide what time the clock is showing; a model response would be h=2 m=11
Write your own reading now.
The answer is h=7 m=40
